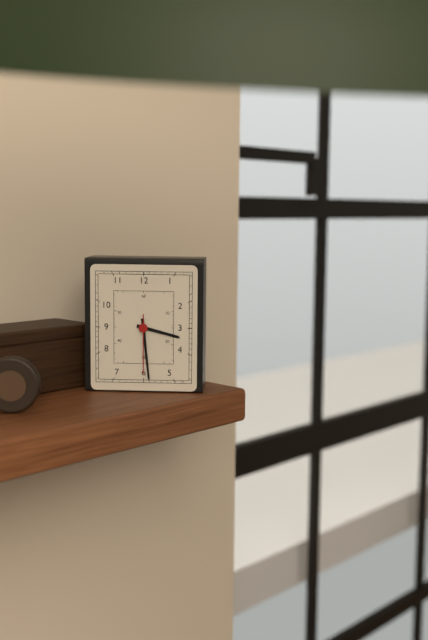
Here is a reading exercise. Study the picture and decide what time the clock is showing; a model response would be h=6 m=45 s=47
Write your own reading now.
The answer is h=3 m=29 s=30
